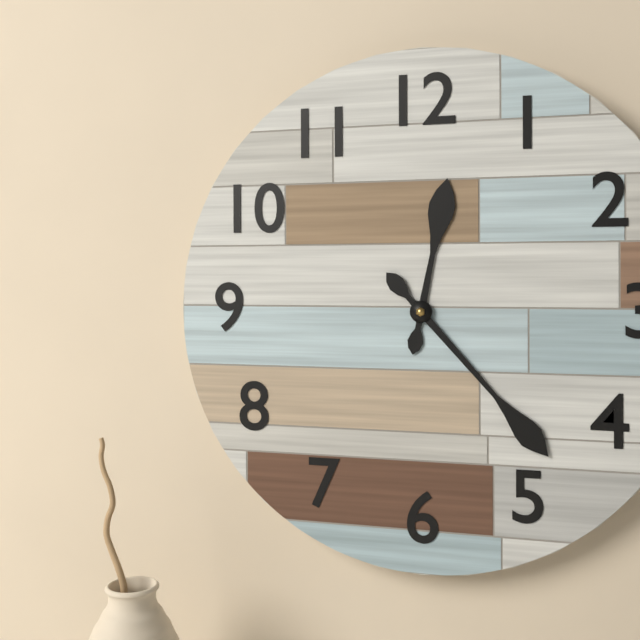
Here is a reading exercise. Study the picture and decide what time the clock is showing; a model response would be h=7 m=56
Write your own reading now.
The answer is h=12 m=23
